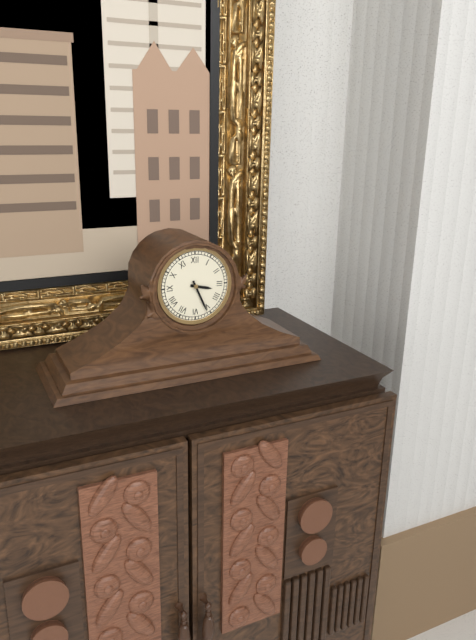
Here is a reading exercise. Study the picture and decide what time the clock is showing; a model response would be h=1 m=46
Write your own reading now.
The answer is h=3 m=26
